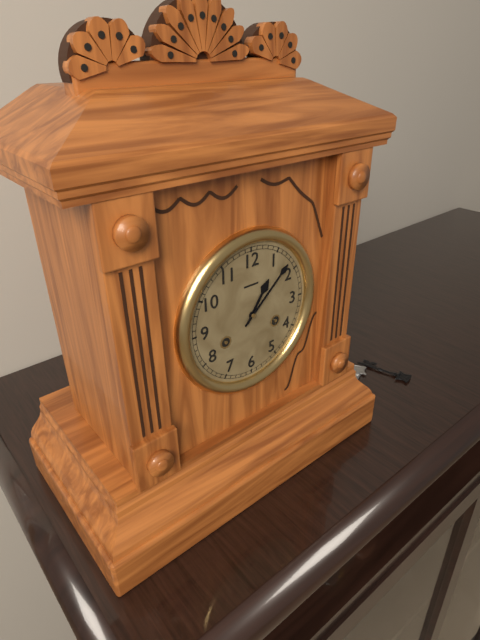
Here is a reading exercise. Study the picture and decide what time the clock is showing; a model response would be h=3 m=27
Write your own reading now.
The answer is h=1 m=8
